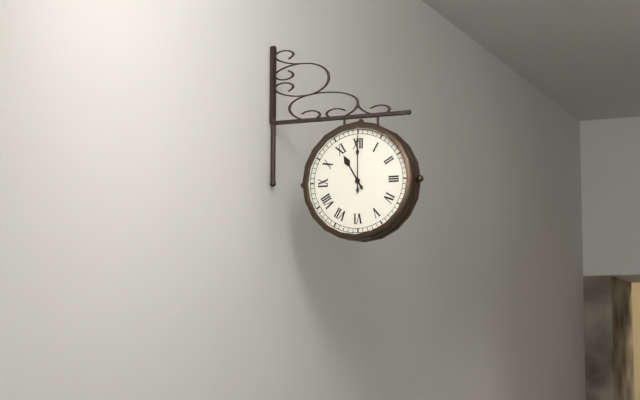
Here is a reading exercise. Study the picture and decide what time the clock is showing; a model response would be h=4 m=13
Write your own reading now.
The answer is h=11 m=0
